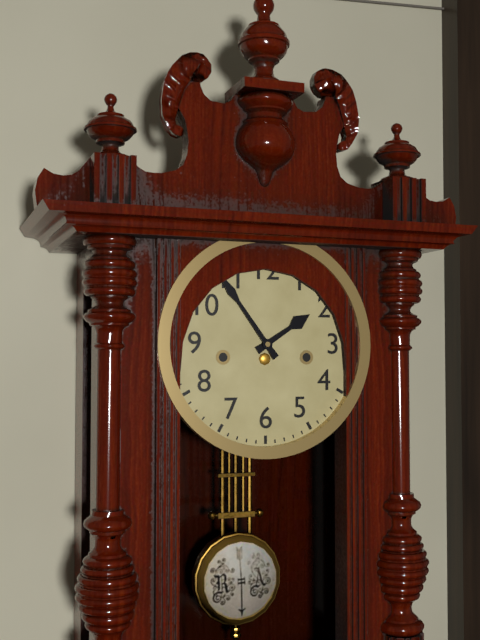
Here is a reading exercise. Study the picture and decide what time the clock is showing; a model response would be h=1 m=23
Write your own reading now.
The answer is h=1 m=54
